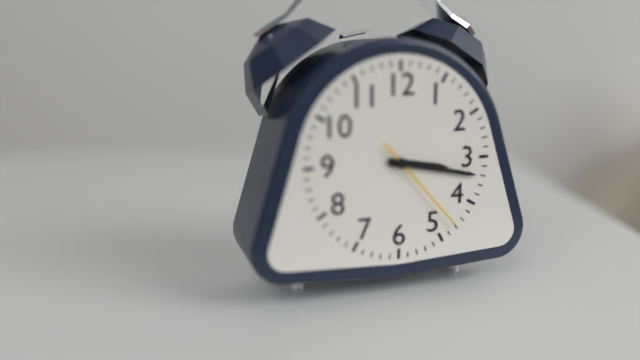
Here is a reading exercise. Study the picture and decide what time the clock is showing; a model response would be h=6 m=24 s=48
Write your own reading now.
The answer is h=3 m=17 s=23
